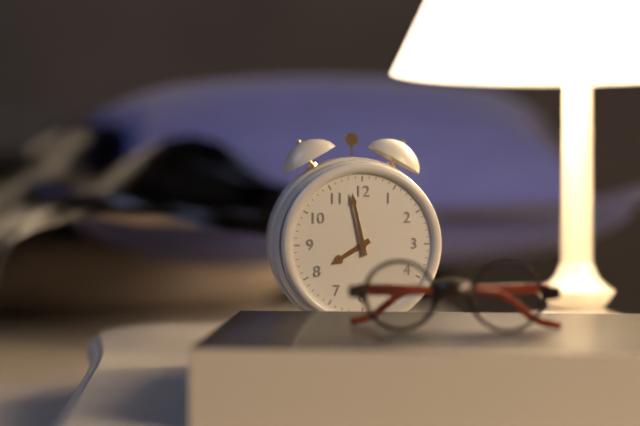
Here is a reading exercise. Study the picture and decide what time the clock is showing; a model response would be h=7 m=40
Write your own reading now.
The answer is h=7 m=58
